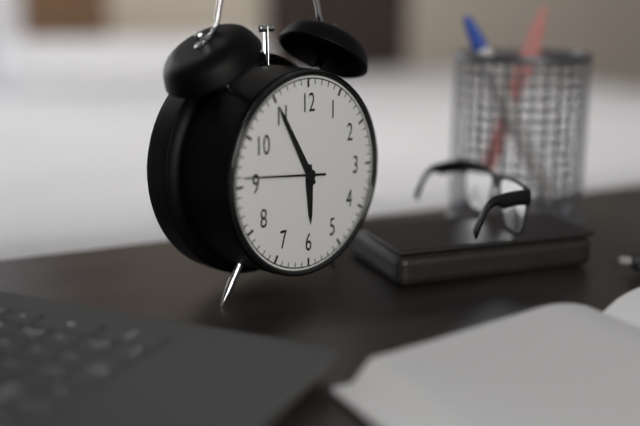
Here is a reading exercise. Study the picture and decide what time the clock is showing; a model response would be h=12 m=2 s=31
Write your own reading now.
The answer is h=5 m=55 s=46
